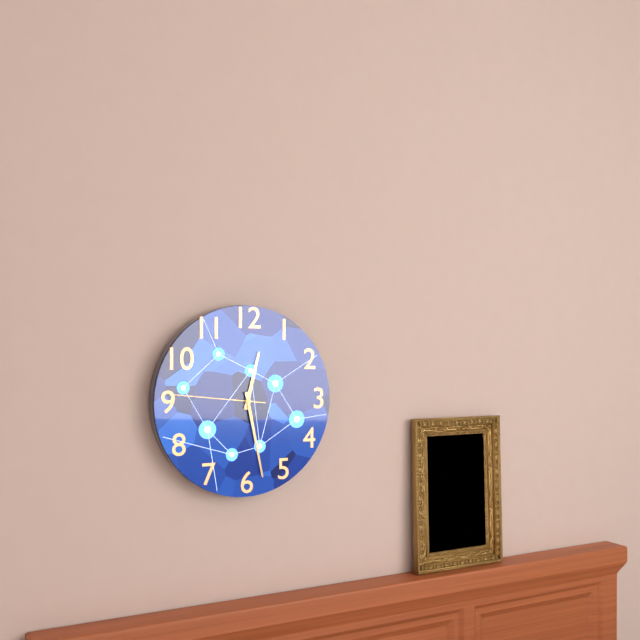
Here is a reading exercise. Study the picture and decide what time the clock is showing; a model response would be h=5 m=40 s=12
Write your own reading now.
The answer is h=12 m=28 s=46
